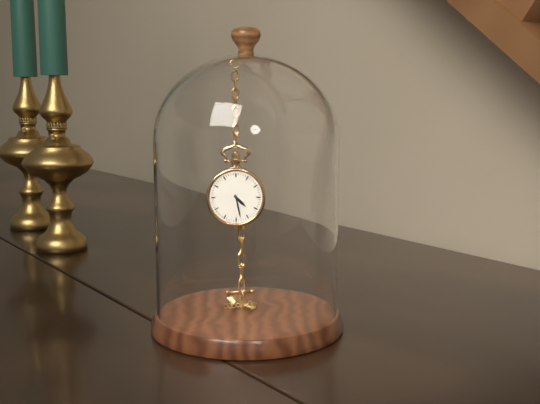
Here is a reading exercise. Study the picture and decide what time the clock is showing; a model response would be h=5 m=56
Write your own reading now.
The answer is h=4 m=28
